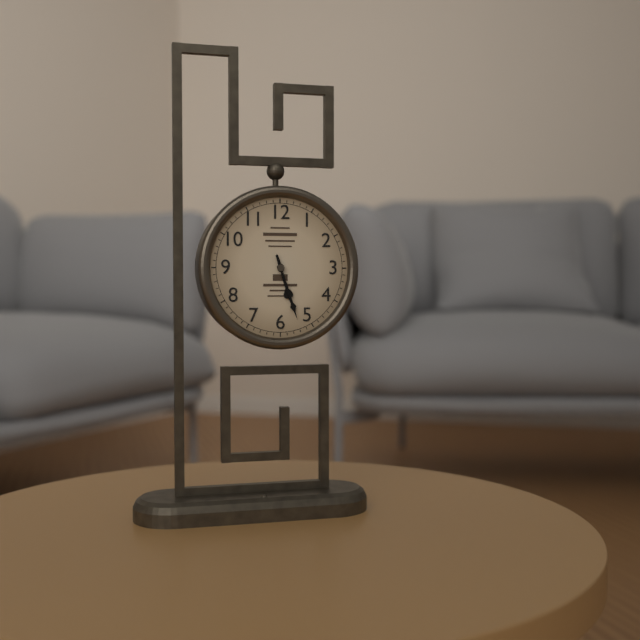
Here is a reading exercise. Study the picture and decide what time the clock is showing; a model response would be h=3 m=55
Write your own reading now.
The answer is h=5 m=27
